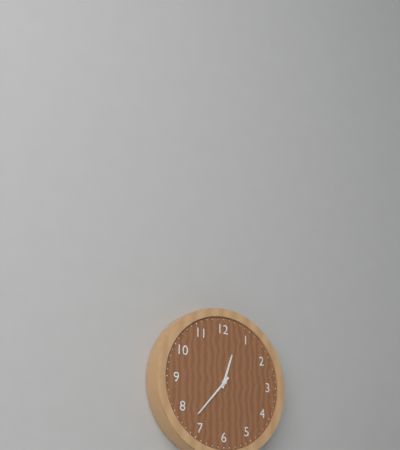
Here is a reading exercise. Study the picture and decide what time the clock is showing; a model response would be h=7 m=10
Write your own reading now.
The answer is h=12 m=37
